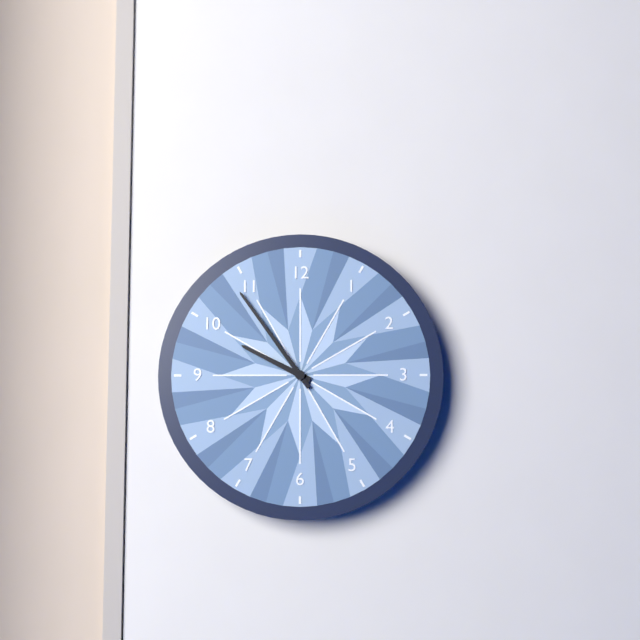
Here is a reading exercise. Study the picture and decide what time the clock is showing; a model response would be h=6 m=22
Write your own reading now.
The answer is h=9 m=54
